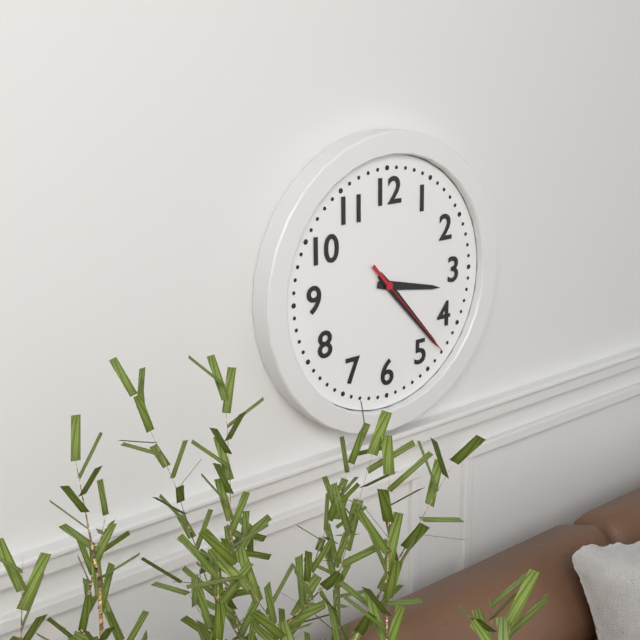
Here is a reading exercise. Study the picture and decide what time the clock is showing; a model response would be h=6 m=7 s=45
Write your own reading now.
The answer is h=3 m=23 s=23
